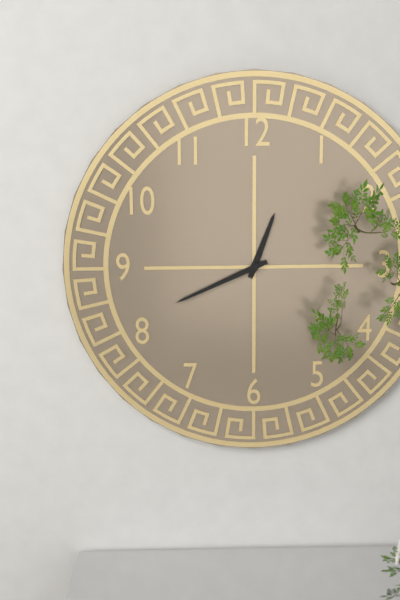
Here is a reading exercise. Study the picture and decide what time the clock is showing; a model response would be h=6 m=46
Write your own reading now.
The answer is h=12 m=41
